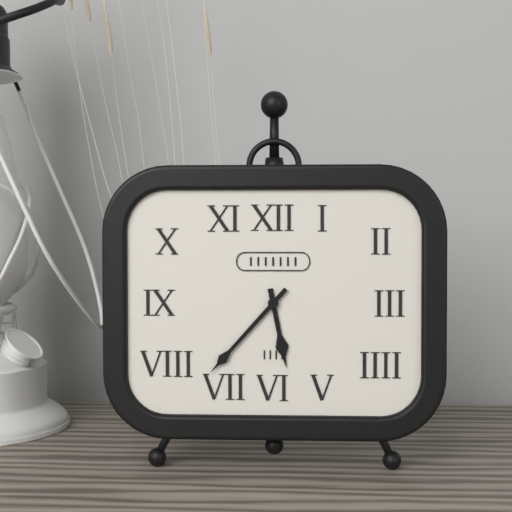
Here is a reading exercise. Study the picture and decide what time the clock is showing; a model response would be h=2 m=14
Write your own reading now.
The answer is h=5 m=37
